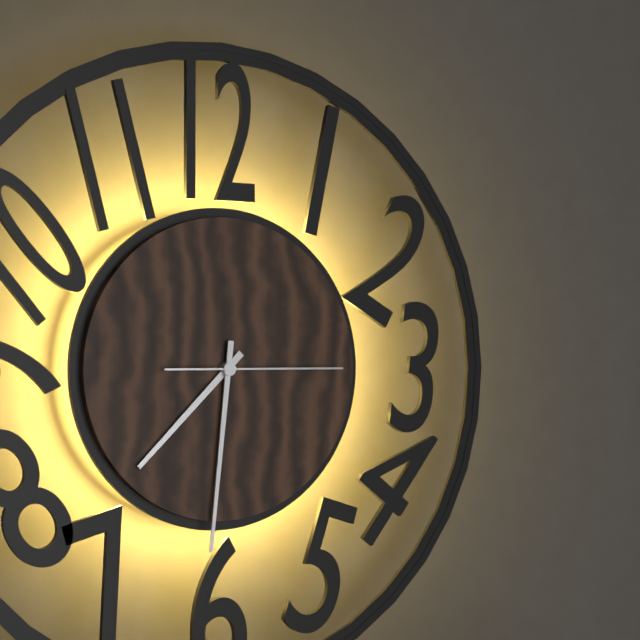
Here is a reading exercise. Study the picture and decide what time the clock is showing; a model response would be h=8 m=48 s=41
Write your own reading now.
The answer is h=7 m=31 s=15
